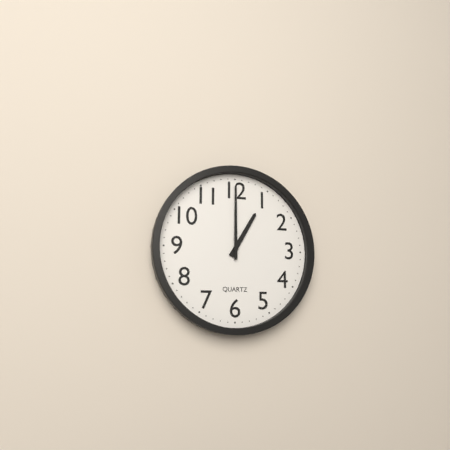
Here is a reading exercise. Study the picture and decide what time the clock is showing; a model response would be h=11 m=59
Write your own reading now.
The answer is h=1 m=0
